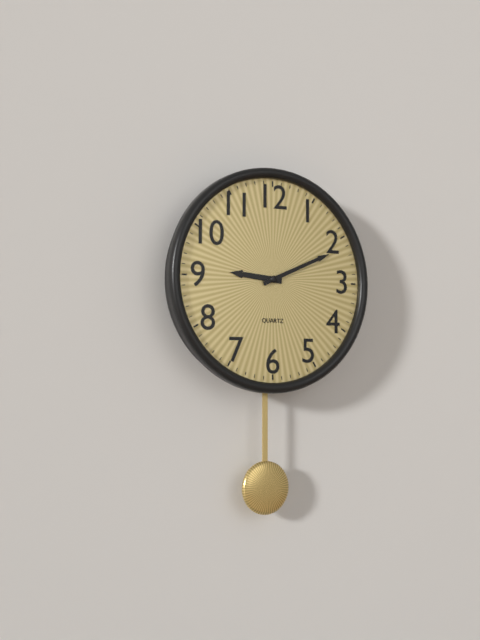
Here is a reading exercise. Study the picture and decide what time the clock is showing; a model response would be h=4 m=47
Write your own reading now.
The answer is h=9 m=11
